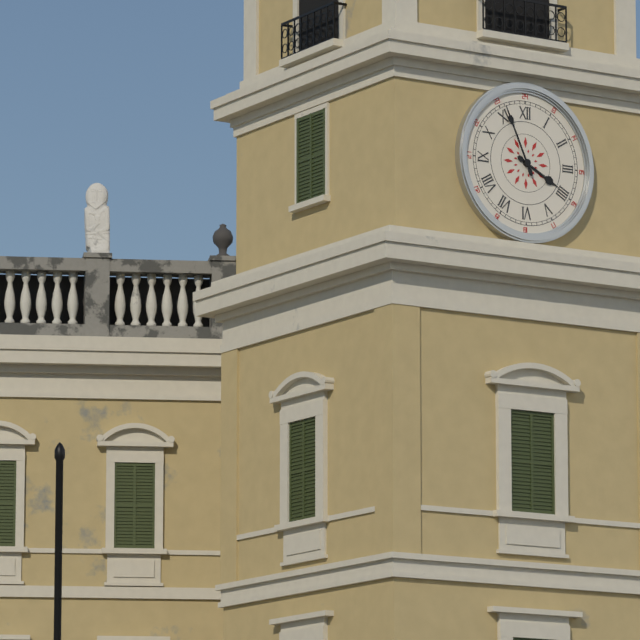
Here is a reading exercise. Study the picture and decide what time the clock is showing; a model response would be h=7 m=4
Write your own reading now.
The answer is h=3 m=56
